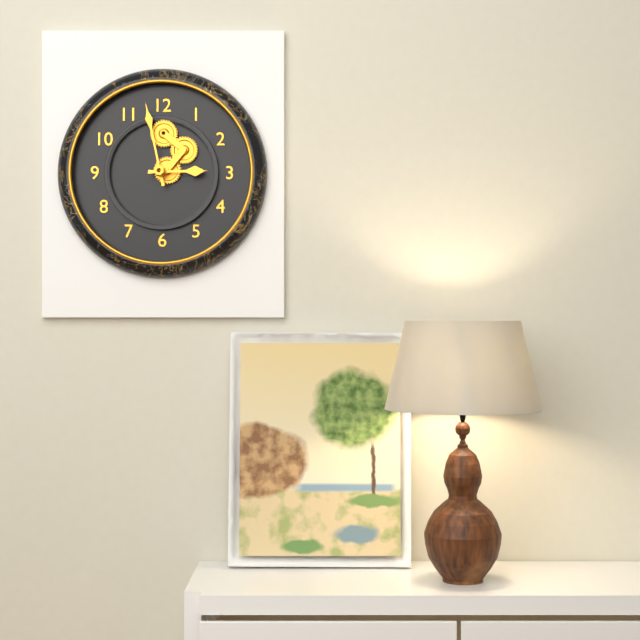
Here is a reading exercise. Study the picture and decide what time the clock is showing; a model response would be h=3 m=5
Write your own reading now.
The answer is h=2 m=58
